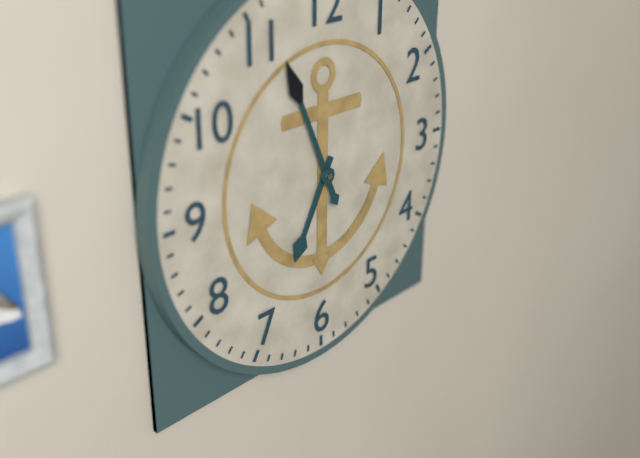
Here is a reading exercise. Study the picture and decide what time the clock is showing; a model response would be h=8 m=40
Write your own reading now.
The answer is h=6 m=56
